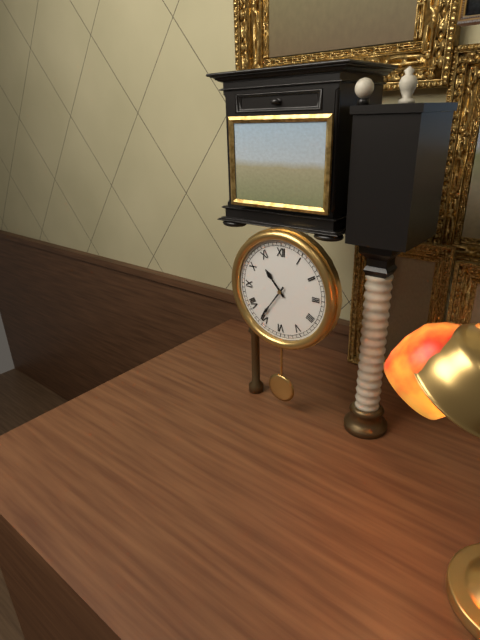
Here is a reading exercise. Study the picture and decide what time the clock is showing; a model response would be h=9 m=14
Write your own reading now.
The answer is h=10 m=36
